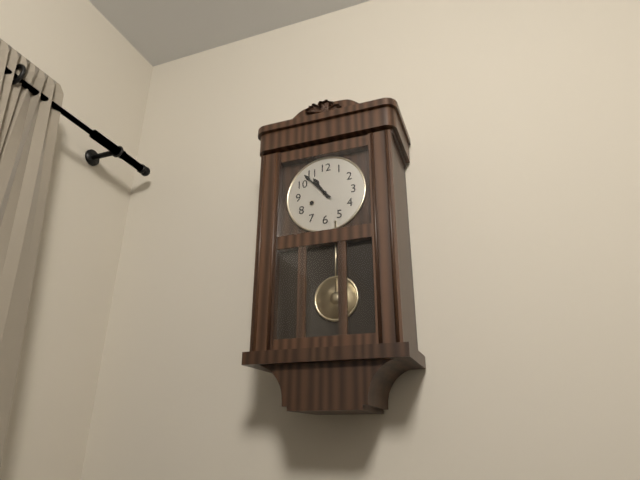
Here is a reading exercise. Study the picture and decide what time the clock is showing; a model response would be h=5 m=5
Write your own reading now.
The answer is h=10 m=53
